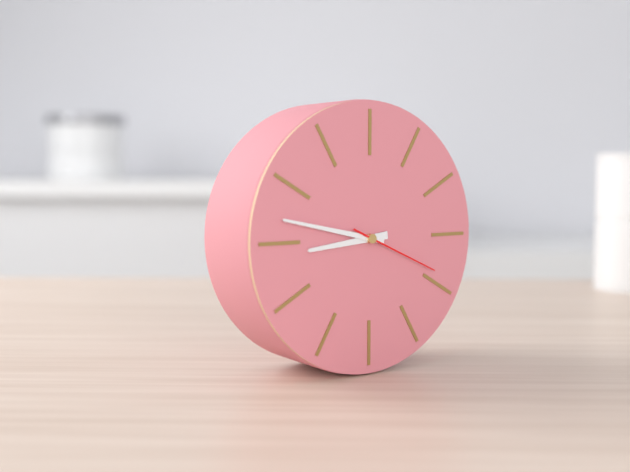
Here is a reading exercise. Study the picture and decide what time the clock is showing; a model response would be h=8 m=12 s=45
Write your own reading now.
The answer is h=8 m=47 s=19
